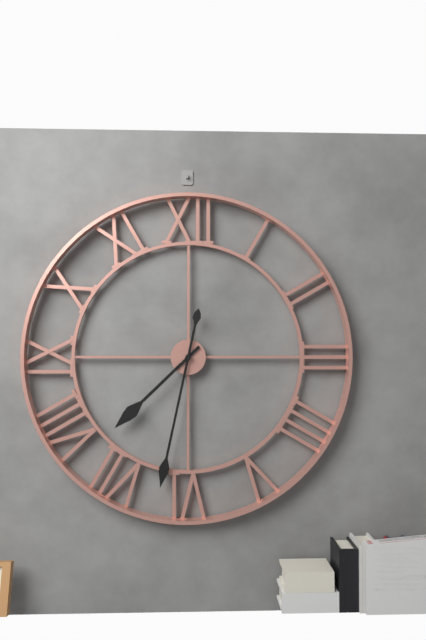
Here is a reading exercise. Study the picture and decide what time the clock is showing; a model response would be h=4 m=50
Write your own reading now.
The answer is h=7 m=32
